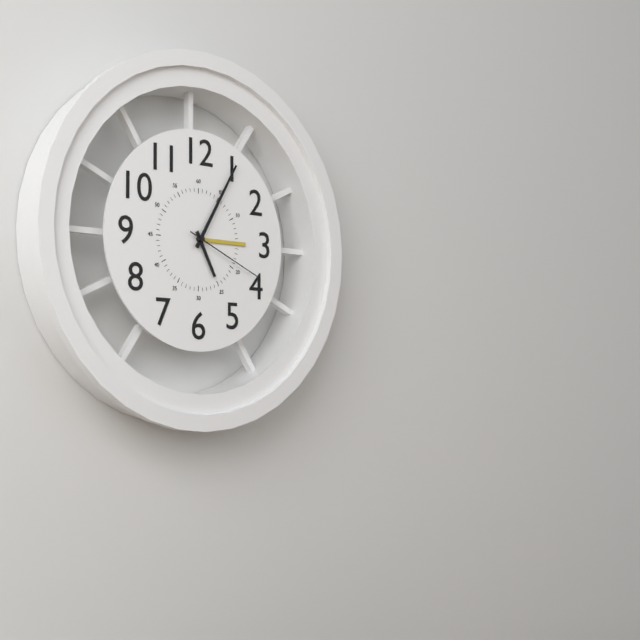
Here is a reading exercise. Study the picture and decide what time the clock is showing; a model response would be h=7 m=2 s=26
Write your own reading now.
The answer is h=5 m=5 s=19
